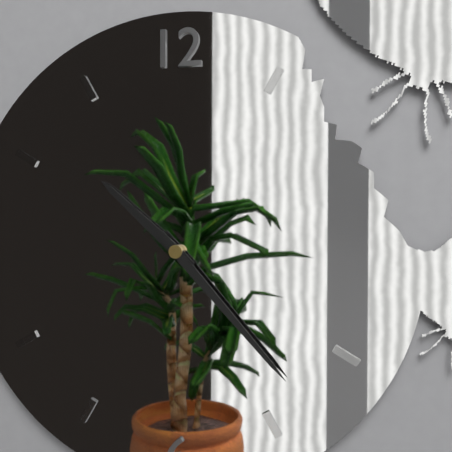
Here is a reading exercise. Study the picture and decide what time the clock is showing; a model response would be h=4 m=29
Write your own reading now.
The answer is h=10 m=23
